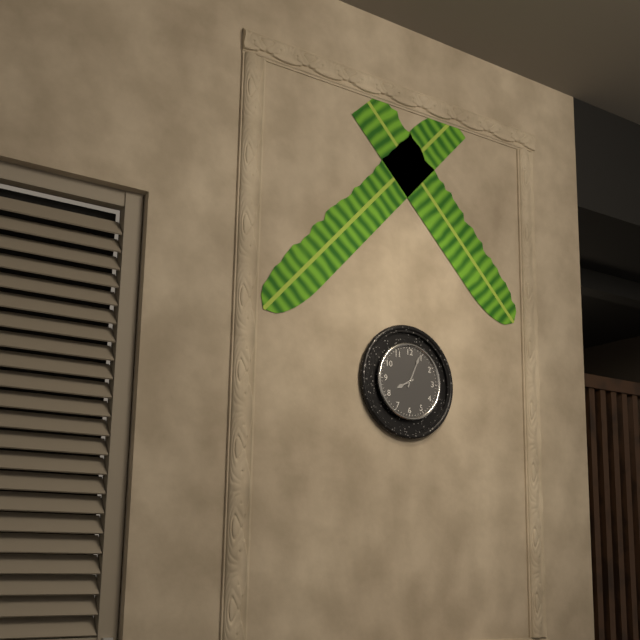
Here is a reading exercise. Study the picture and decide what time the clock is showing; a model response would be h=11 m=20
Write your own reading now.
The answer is h=8 m=4
